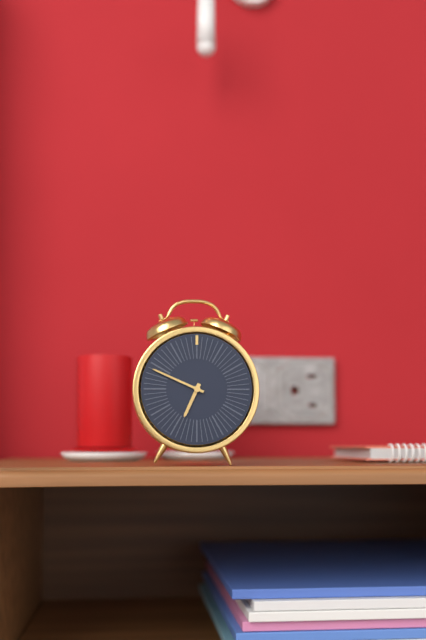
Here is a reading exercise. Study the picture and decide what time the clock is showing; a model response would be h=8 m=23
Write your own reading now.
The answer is h=6 m=49
